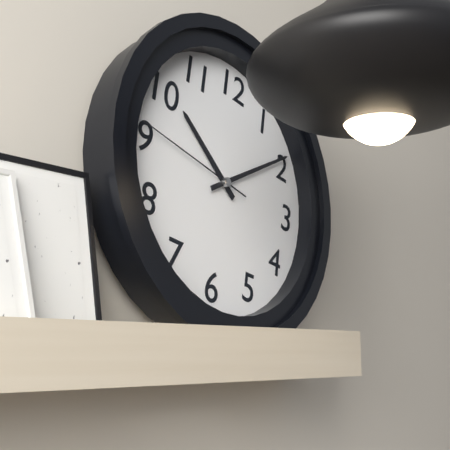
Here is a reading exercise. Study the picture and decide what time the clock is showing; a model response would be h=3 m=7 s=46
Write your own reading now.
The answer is h=10 m=9 s=46
